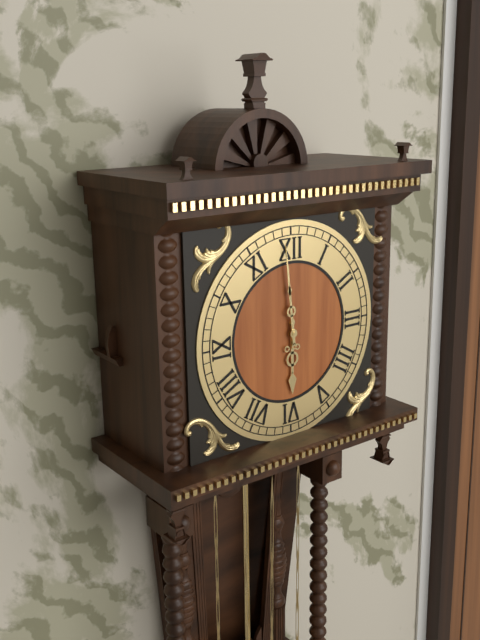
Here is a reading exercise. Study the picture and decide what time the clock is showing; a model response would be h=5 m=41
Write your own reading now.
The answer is h=5 m=59
